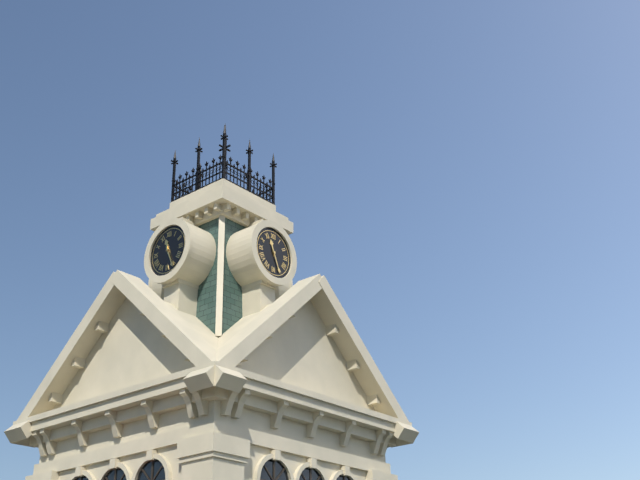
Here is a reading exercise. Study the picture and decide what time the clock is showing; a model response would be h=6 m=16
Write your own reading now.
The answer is h=11 m=26
